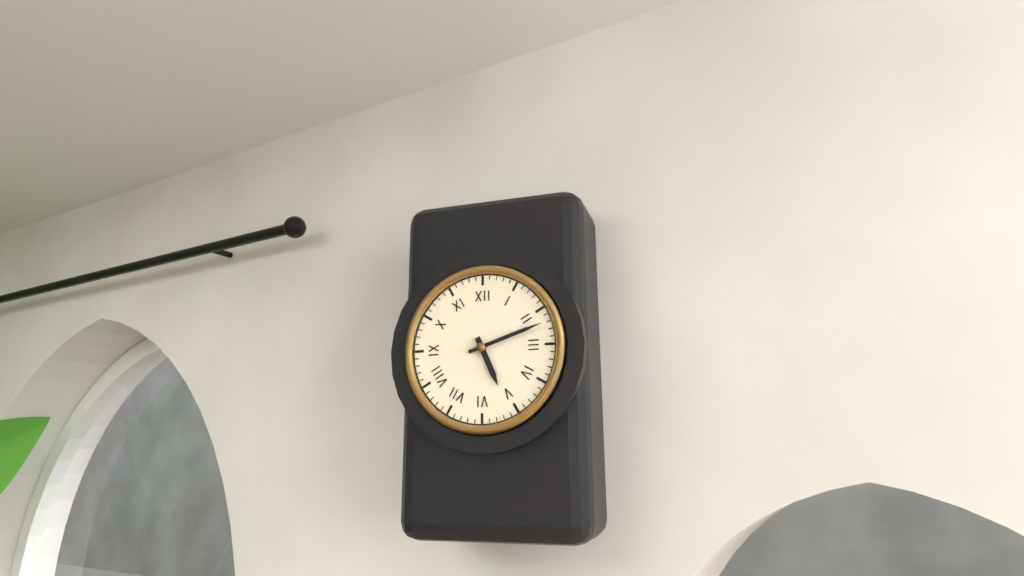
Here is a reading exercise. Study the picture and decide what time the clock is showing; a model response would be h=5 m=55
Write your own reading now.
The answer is h=5 m=12
